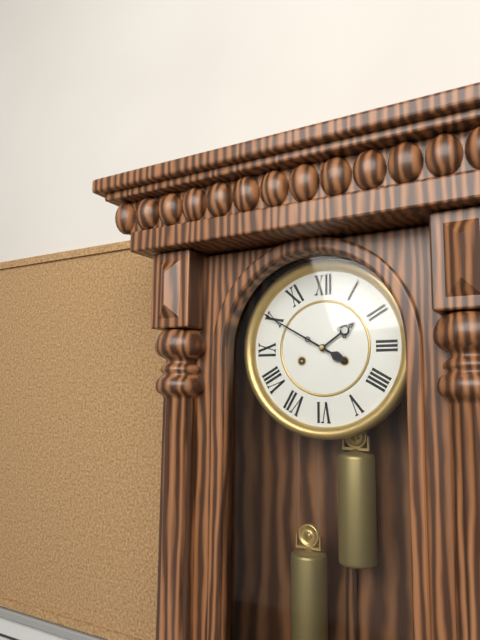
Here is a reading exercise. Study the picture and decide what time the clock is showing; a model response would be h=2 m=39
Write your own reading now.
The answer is h=1 m=50
